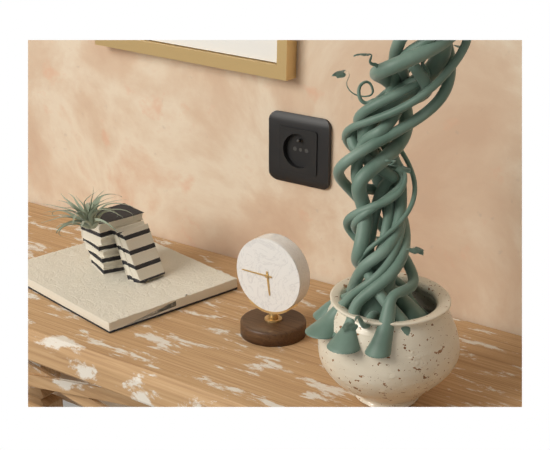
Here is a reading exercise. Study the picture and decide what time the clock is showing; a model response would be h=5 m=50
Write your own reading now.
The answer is h=5 m=45
